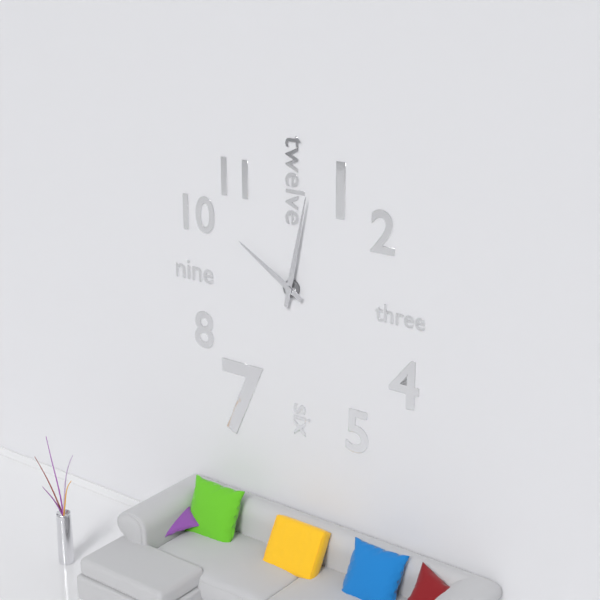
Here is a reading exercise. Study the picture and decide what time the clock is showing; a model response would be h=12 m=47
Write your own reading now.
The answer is h=10 m=2
